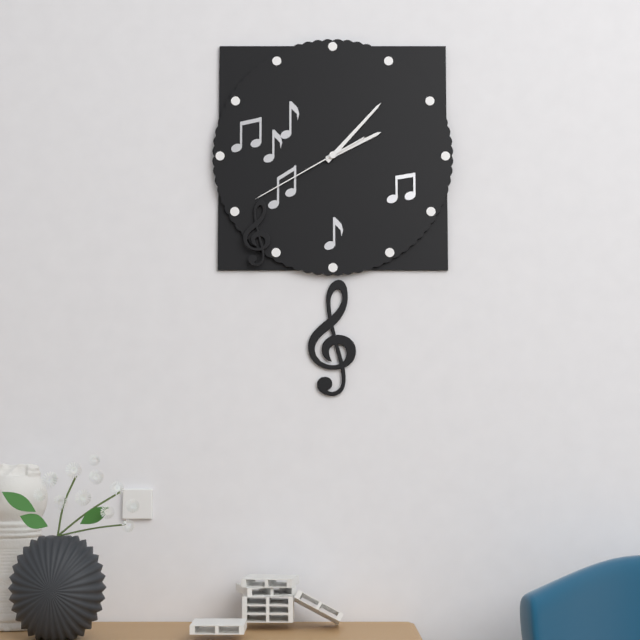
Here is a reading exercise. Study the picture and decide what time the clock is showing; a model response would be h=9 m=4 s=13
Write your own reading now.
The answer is h=2 m=7 s=40
